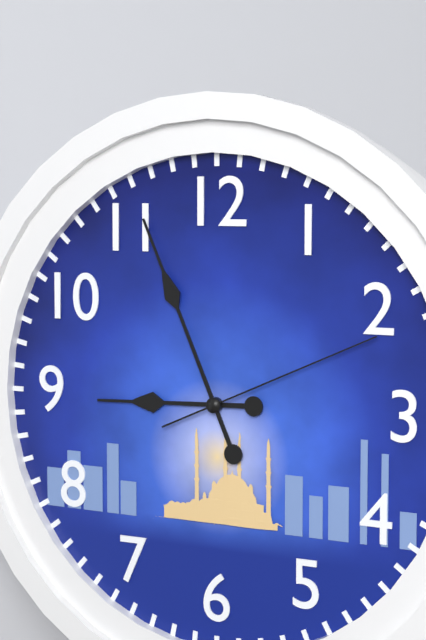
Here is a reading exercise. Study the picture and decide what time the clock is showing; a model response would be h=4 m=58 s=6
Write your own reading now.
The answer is h=8 m=56 s=11
